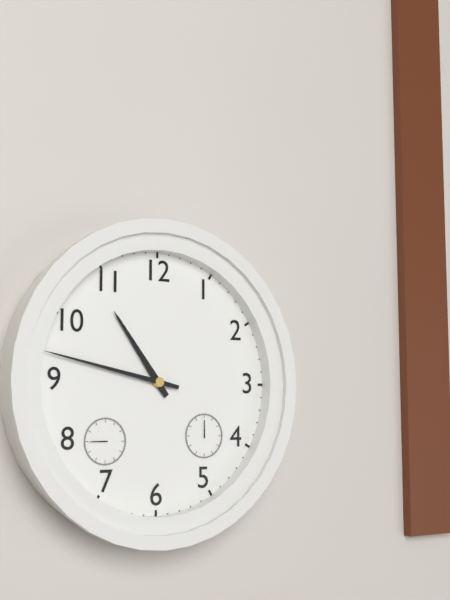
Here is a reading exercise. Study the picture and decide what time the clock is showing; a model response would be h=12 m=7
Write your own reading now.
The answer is h=10 m=47
